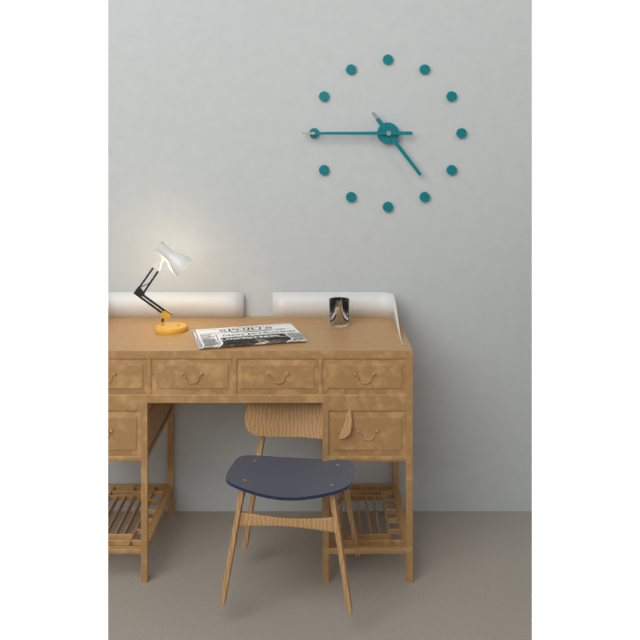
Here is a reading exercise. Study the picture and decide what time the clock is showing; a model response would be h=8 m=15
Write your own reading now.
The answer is h=4 m=45
